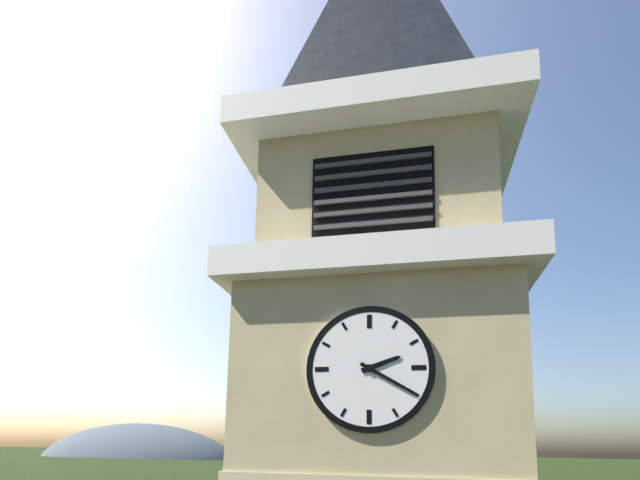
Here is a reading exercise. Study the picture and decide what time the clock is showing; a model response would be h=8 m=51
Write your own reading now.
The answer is h=2 m=20
